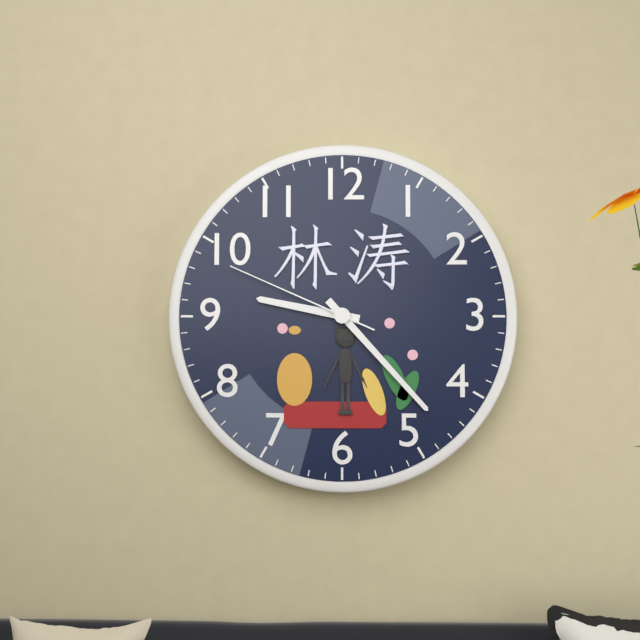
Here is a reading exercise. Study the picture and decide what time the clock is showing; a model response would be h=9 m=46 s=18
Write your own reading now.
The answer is h=9 m=23 s=49
